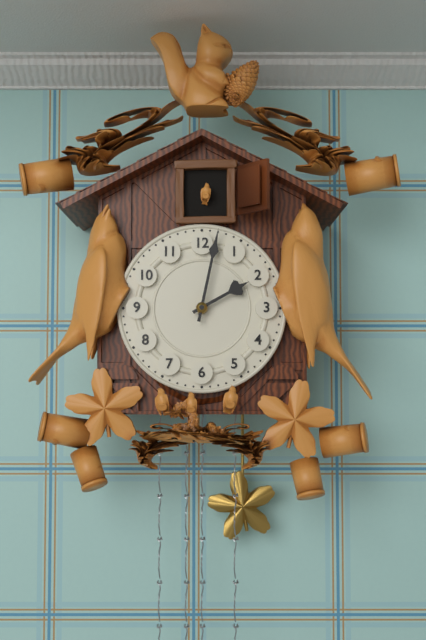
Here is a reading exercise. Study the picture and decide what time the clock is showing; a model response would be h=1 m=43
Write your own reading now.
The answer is h=2 m=2
